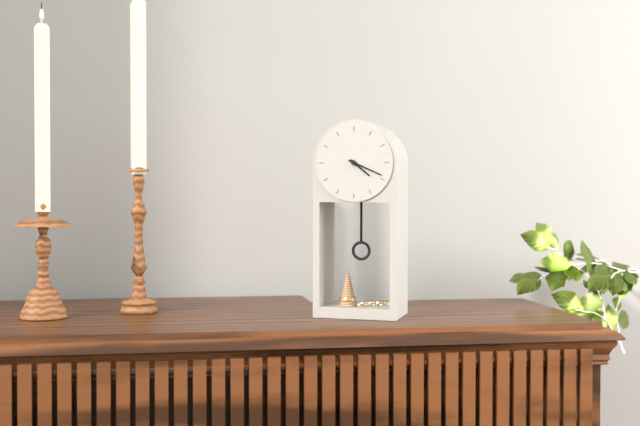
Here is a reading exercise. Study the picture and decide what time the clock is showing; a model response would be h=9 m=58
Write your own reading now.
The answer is h=4 m=19
